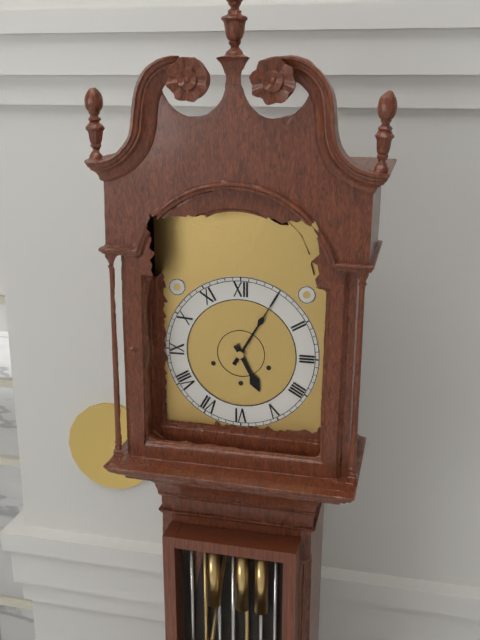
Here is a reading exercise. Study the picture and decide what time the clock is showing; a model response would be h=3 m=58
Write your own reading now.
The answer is h=5 m=5
